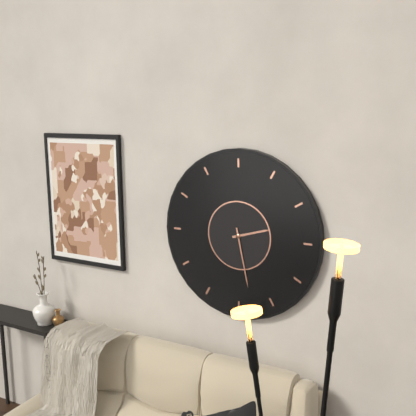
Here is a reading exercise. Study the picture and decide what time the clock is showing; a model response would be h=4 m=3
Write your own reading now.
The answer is h=2 m=28
